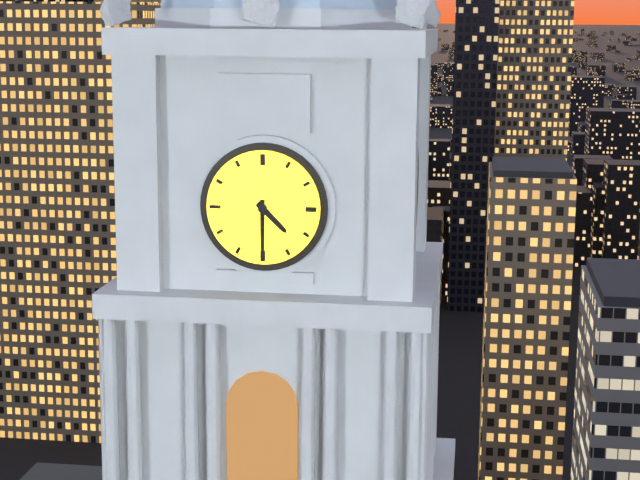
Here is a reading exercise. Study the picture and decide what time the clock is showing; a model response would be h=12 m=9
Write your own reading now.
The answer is h=4 m=30
